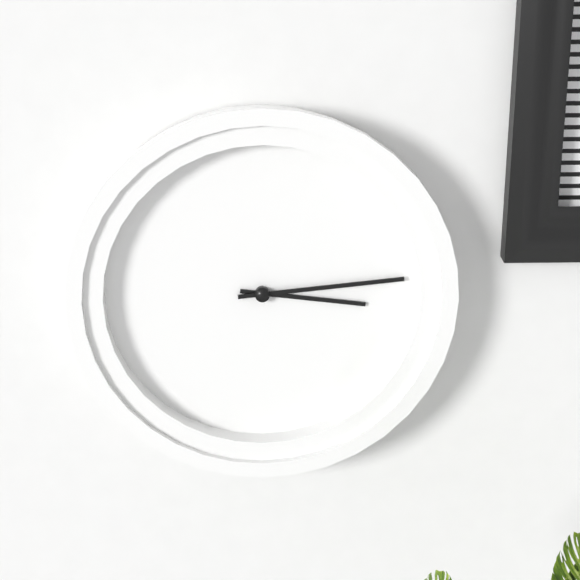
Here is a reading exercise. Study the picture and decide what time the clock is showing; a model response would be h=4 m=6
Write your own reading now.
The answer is h=3 m=14
